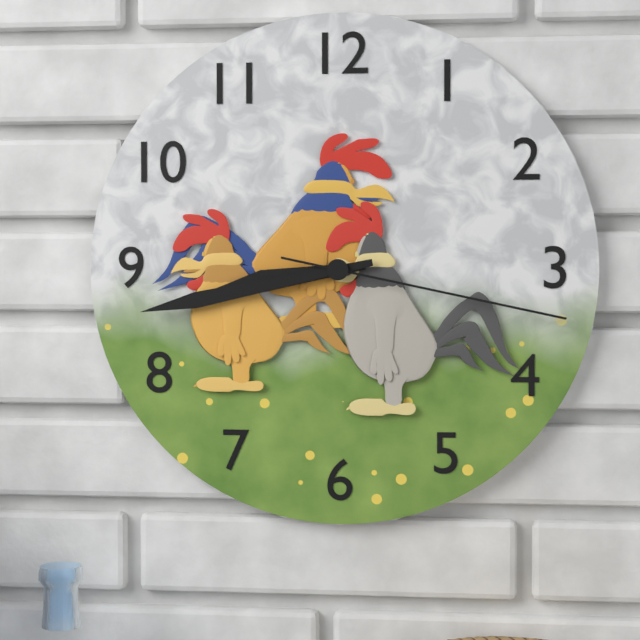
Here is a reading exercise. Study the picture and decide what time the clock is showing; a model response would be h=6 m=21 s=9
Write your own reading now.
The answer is h=8 m=43 s=17
